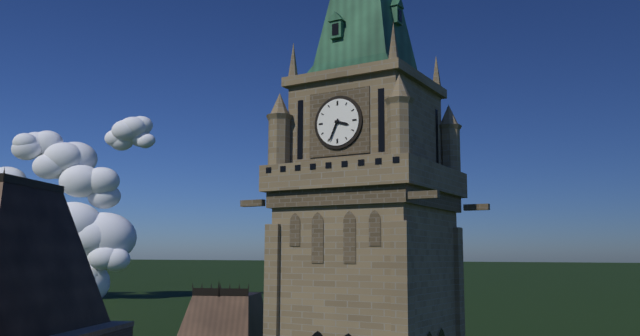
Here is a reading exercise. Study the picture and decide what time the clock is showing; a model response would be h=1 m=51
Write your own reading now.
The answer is h=3 m=34
